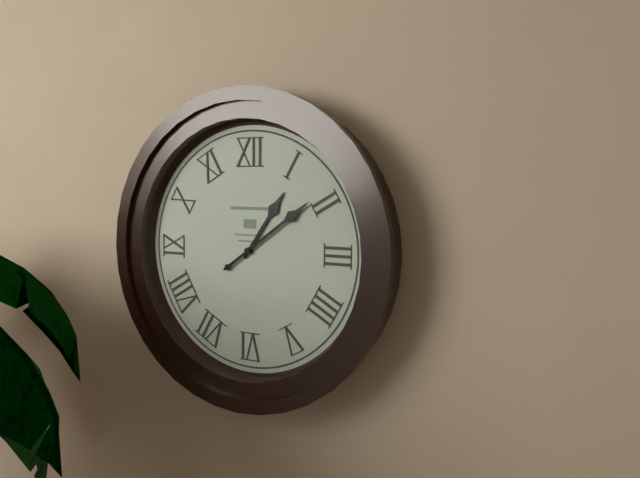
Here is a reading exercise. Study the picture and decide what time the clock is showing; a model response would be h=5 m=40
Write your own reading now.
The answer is h=1 m=9
